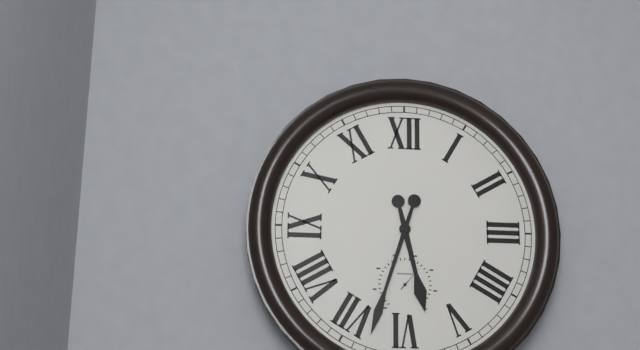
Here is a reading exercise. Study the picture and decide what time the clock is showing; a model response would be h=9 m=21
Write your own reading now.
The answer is h=5 m=33
